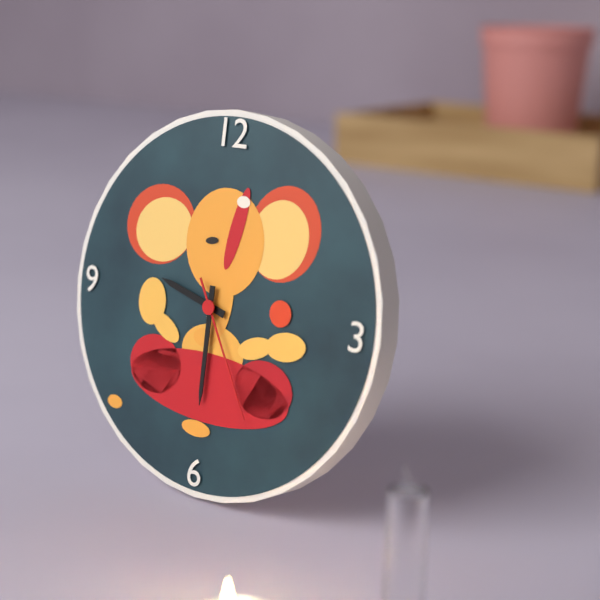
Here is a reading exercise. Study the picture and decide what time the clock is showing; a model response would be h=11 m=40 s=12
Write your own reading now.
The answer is h=9 m=30 s=25
